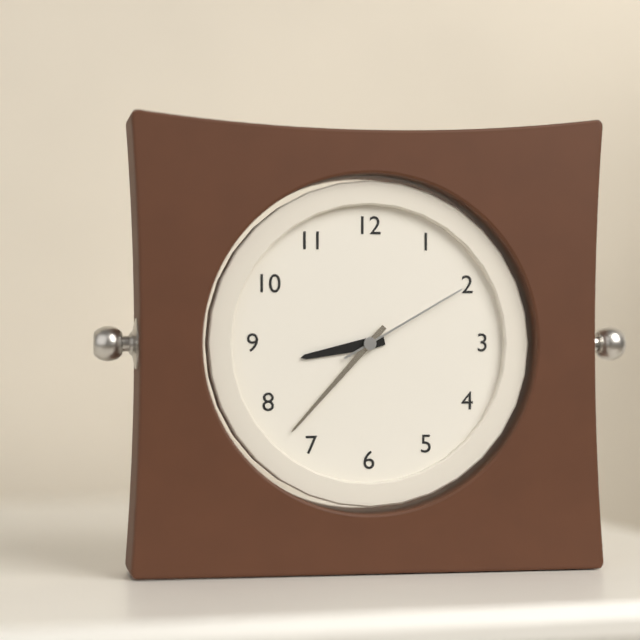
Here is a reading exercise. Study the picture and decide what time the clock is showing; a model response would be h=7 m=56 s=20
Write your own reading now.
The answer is h=8 m=37 s=10
